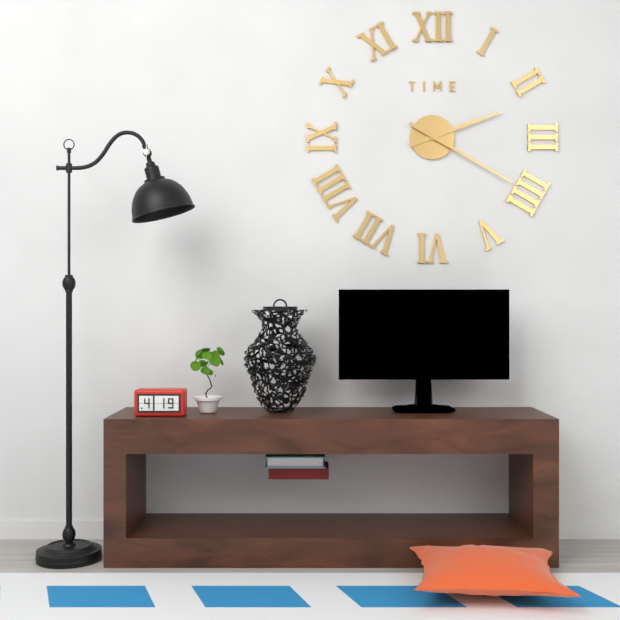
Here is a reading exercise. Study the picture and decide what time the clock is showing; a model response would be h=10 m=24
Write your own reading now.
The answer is h=2 m=20
